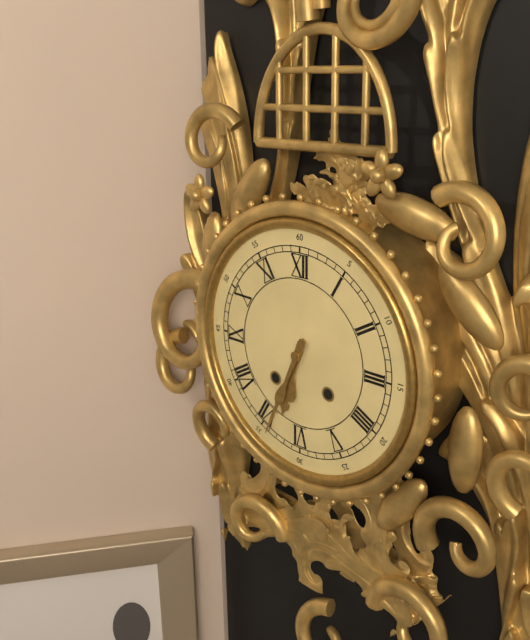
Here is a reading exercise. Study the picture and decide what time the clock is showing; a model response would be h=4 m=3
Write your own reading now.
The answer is h=6 m=34
